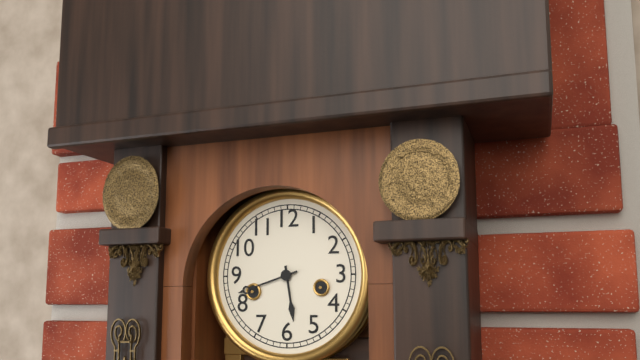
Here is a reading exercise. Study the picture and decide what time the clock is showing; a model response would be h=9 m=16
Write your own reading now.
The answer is h=5 m=42
